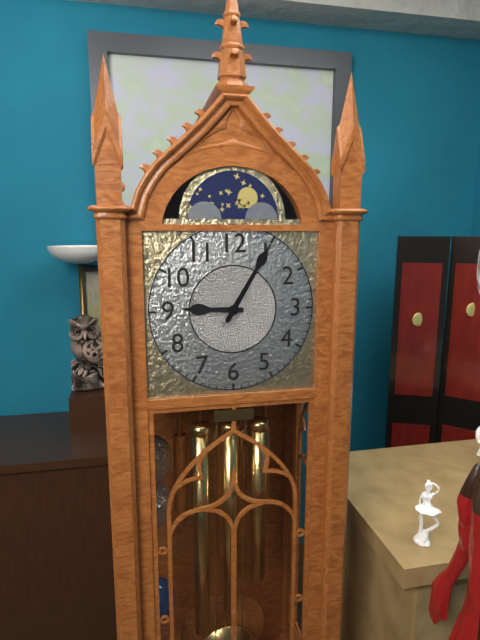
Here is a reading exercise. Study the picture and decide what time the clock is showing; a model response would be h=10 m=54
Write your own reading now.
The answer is h=9 m=5
